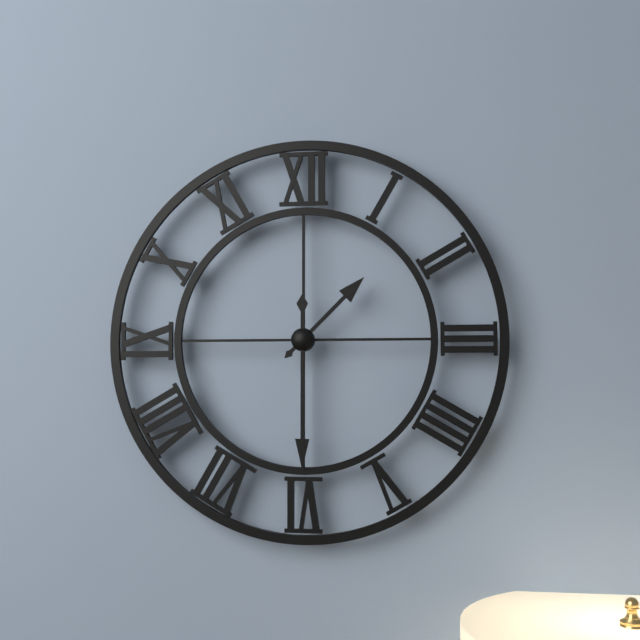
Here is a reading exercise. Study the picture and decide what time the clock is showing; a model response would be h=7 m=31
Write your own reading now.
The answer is h=1 m=30
